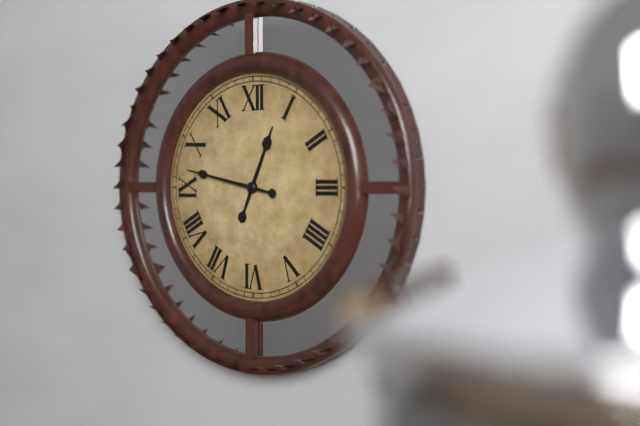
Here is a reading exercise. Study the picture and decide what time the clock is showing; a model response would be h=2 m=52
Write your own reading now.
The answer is h=12 m=47
